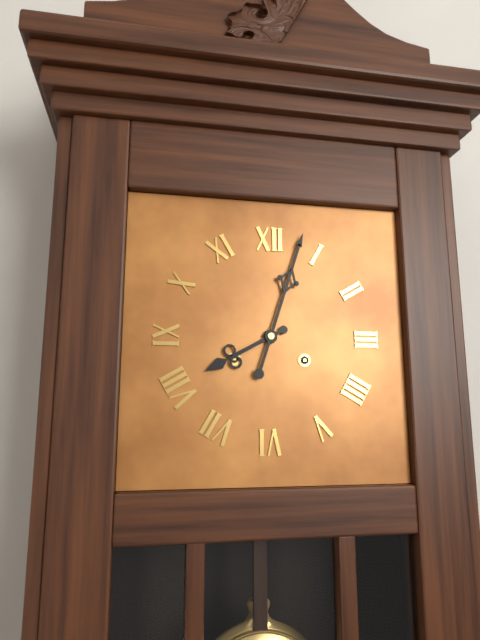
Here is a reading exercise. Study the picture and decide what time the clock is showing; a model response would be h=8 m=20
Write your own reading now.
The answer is h=8 m=3
